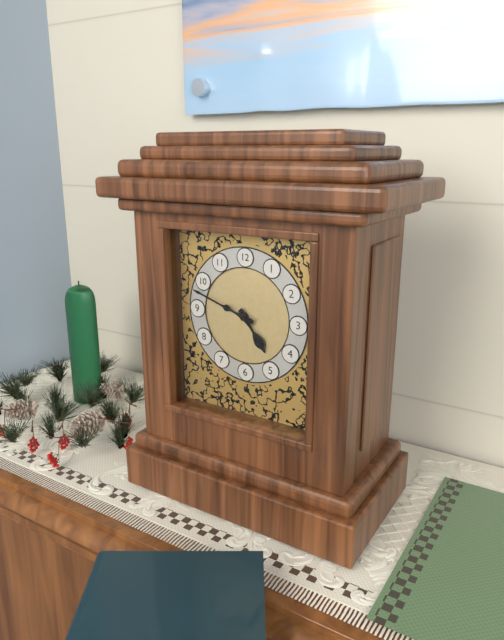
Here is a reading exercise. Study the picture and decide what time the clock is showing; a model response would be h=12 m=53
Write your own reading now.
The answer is h=4 m=48
